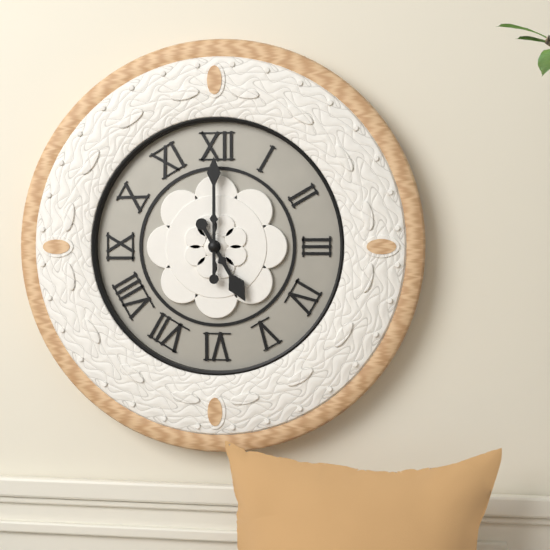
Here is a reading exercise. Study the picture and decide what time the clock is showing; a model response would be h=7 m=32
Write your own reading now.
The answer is h=5 m=0
